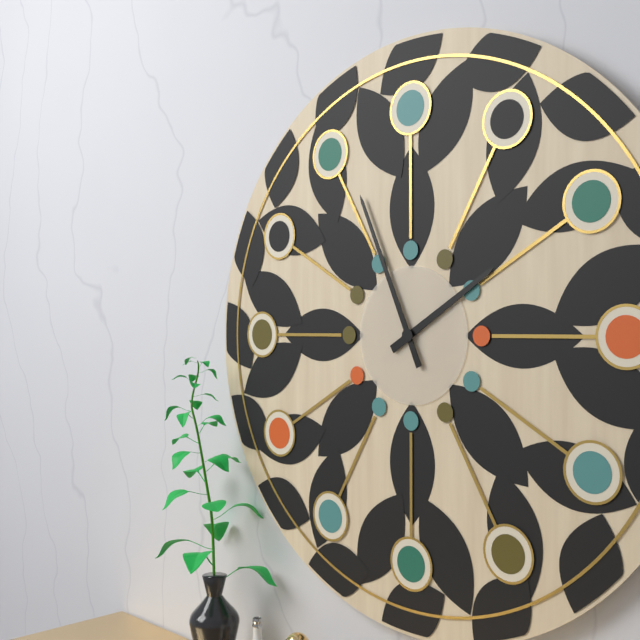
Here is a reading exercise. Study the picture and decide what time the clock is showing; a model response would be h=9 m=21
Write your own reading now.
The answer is h=1 m=56
